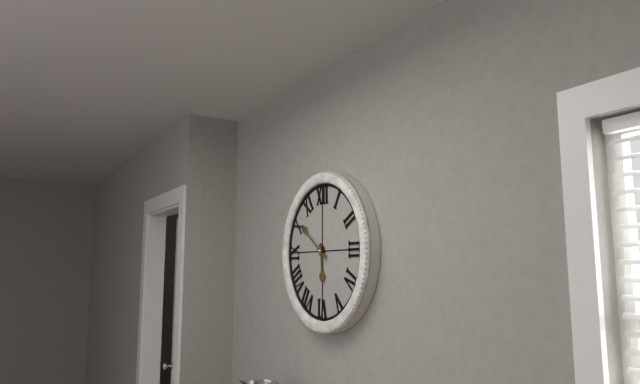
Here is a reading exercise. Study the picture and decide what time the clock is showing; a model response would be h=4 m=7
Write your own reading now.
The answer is h=5 m=51
